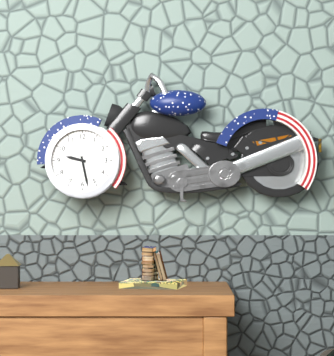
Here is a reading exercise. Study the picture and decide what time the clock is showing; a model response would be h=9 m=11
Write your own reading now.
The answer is h=9 m=28
